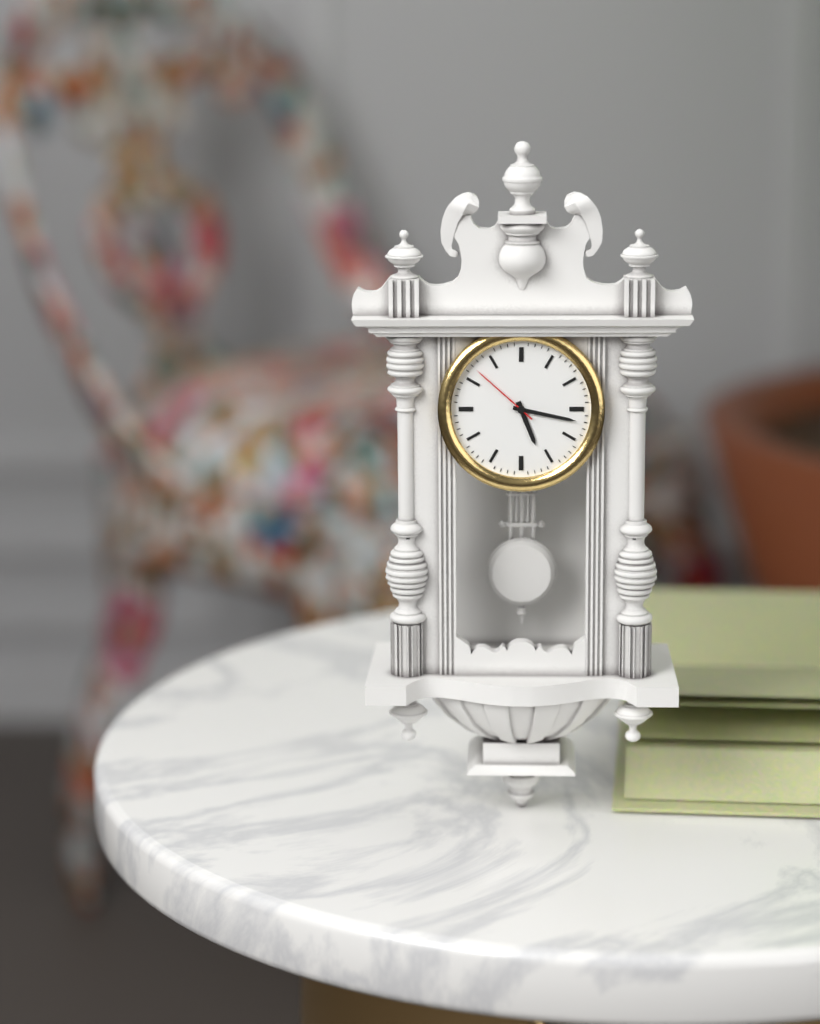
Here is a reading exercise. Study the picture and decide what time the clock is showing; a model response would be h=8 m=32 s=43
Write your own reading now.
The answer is h=5 m=17 s=52
